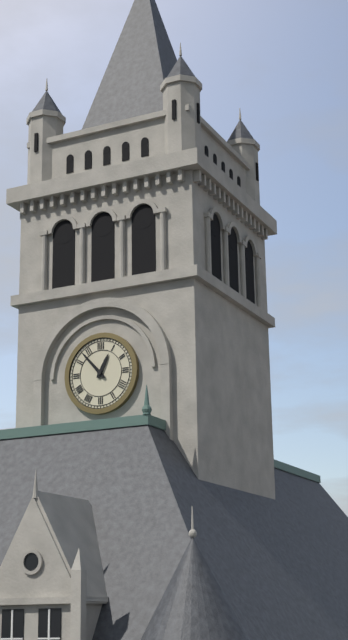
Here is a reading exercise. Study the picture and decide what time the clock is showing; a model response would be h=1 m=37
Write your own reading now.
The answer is h=12 m=53
